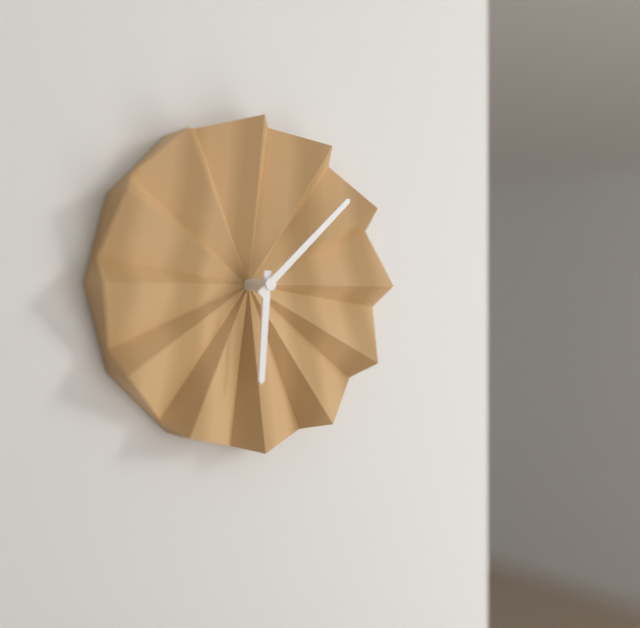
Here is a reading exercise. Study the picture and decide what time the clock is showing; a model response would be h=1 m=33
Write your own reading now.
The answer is h=6 m=8
